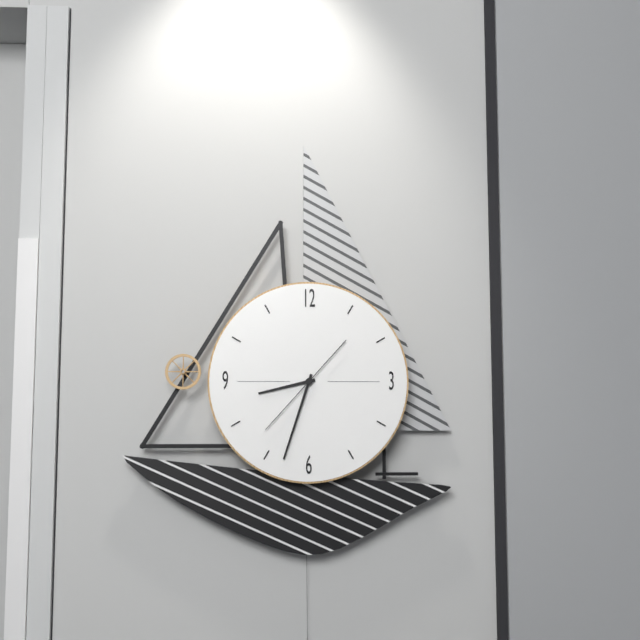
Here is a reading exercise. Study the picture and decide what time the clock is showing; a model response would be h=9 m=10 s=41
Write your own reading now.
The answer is h=8 m=33 s=37
